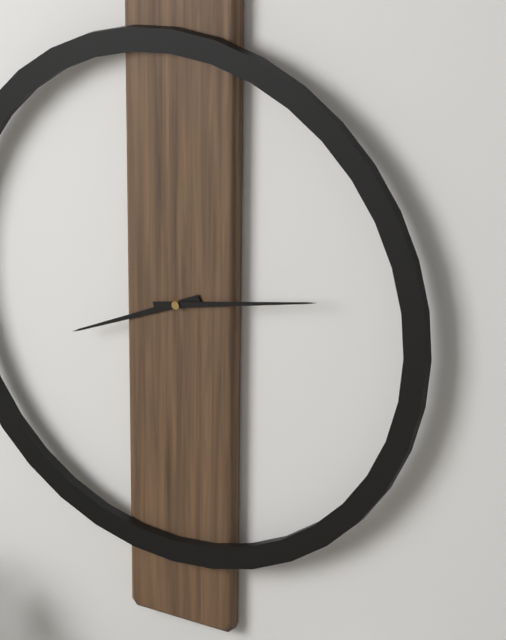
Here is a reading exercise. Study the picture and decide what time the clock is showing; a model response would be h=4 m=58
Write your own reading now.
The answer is h=8 m=13
